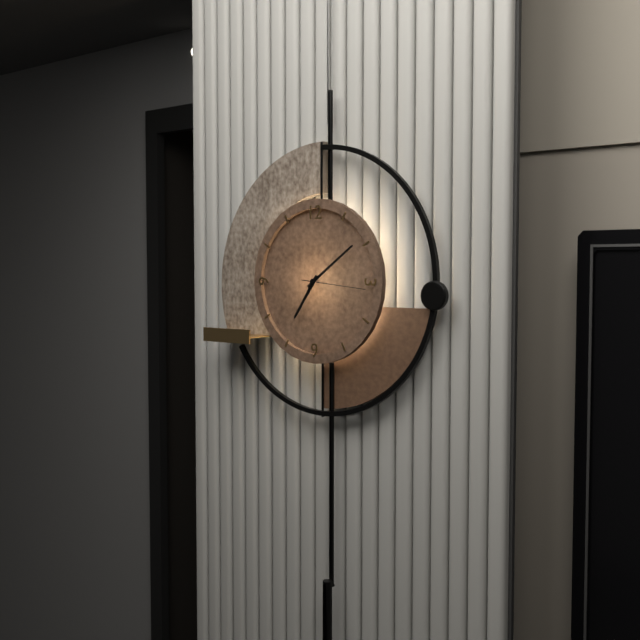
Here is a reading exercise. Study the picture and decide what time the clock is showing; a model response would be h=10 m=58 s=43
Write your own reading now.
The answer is h=7 m=9 s=16
